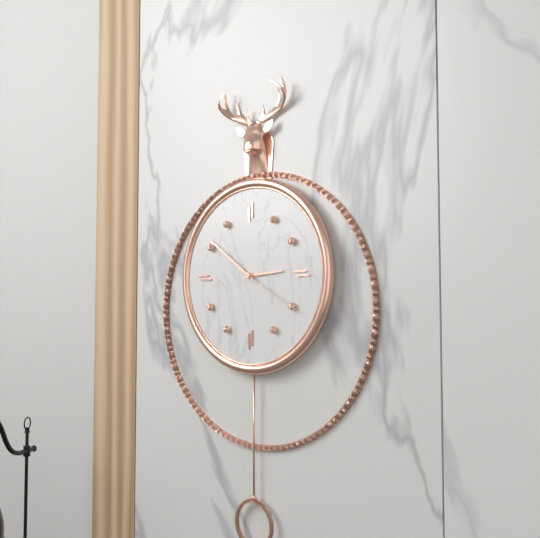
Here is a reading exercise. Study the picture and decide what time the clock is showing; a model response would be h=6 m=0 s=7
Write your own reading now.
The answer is h=2 m=51 s=20
